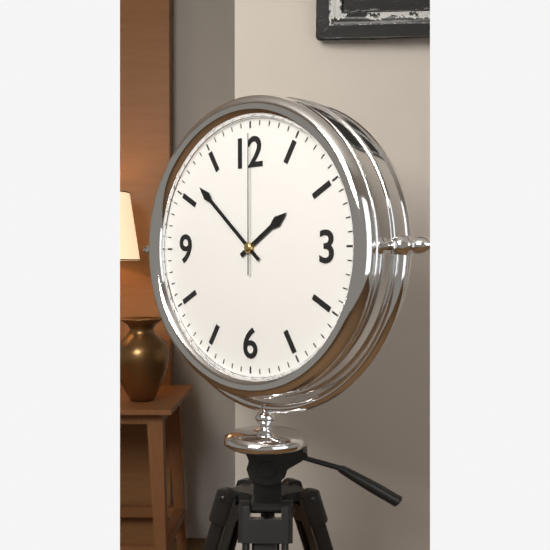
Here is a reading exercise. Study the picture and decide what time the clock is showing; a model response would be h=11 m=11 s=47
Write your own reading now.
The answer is h=1 m=52 s=0
